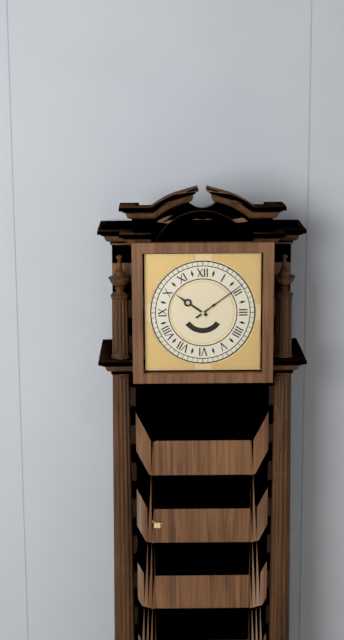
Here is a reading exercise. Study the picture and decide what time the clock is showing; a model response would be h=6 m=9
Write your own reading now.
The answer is h=10 m=9
